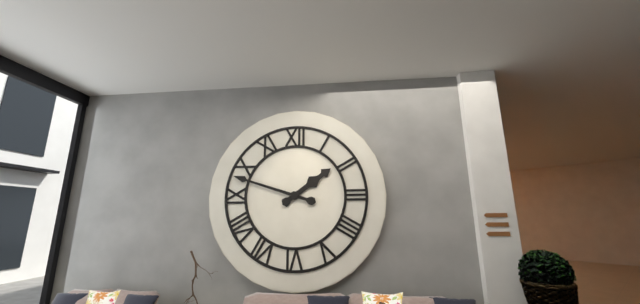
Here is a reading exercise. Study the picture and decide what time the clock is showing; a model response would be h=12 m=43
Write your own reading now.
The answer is h=1 m=48
